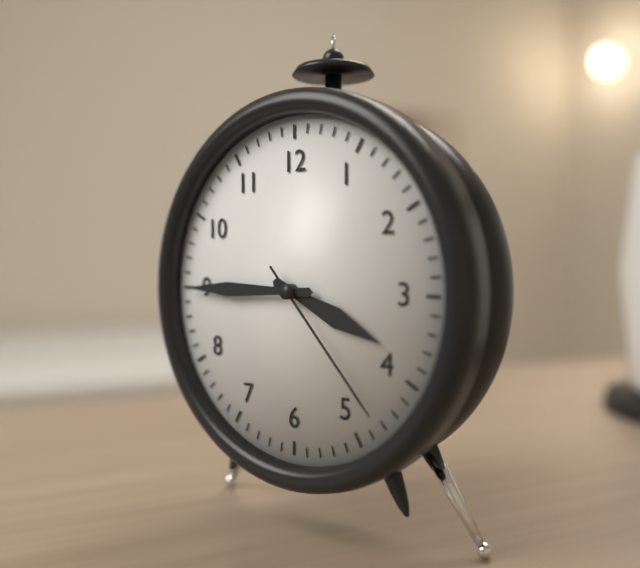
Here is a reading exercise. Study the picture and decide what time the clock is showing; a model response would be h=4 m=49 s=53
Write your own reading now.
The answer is h=3 m=45 s=23
